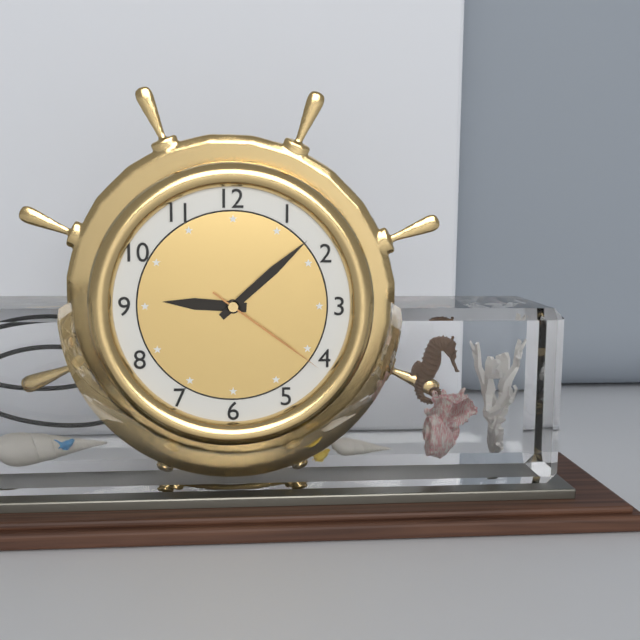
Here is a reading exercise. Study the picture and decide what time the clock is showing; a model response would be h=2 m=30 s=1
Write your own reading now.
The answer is h=9 m=8 s=21
